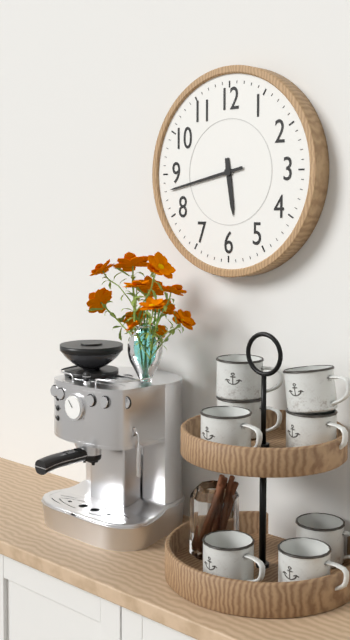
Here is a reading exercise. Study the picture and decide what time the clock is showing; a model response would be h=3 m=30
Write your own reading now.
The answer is h=5 m=43
